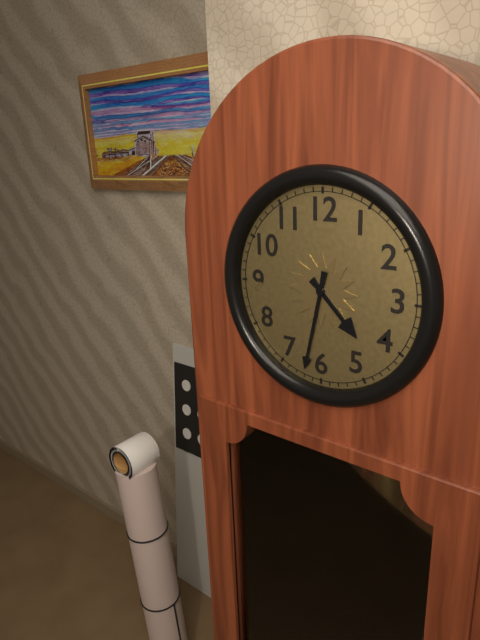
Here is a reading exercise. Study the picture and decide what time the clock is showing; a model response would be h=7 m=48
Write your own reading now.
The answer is h=4 m=32
